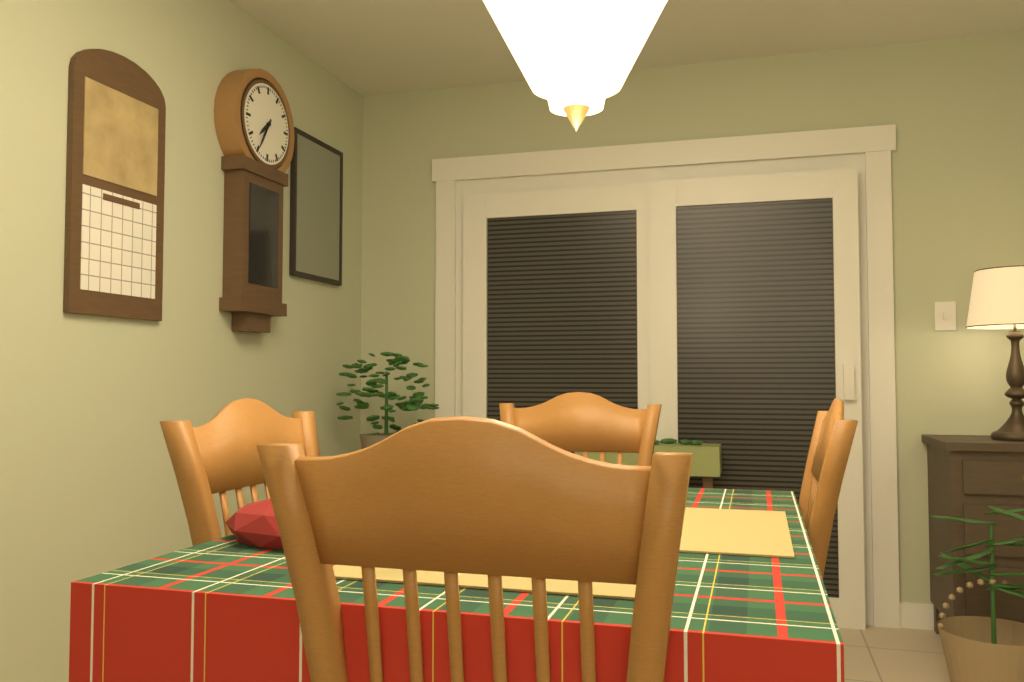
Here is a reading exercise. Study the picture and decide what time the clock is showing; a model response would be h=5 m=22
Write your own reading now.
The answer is h=7 m=35
